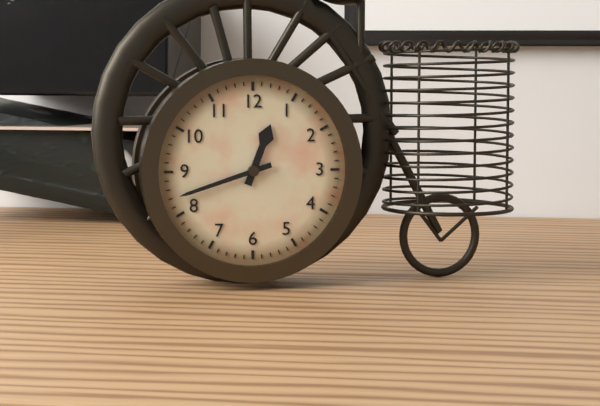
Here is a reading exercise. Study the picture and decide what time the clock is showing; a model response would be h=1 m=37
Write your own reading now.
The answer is h=12 m=42
